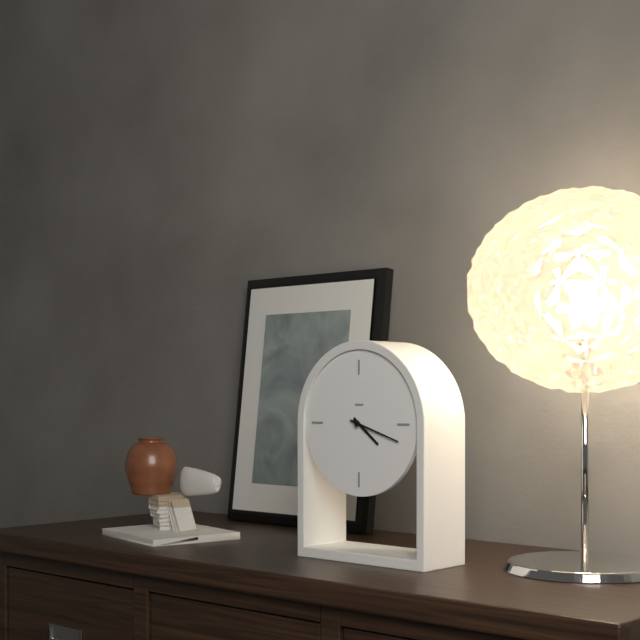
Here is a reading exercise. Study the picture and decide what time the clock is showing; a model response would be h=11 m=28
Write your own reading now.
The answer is h=4 m=18
